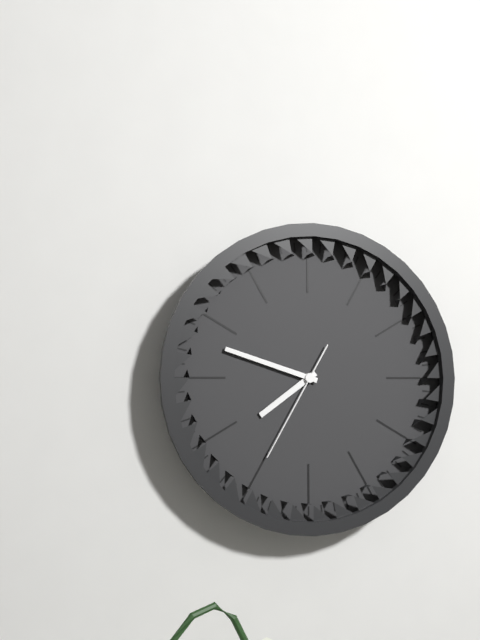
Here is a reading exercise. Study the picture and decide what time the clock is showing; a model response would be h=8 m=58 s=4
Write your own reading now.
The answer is h=7 m=48 s=35
